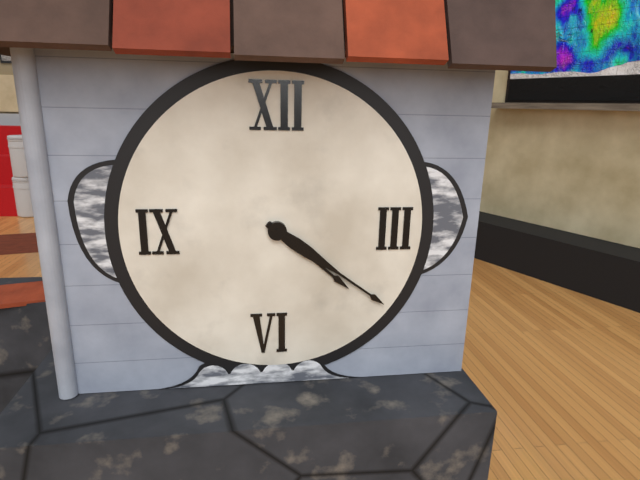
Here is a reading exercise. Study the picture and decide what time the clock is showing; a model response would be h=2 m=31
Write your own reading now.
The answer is h=4 m=21
